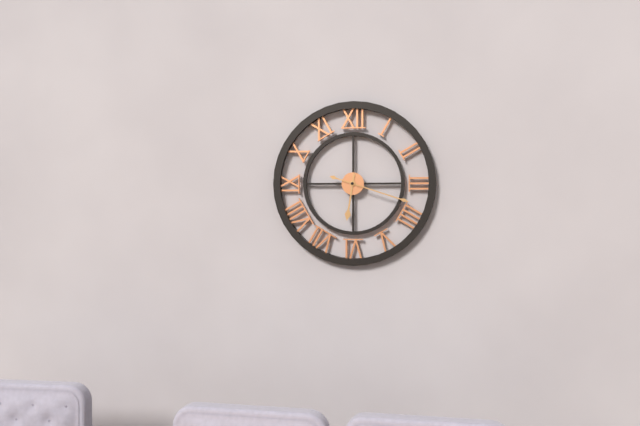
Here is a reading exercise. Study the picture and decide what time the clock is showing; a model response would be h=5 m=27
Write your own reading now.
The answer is h=6 m=18
